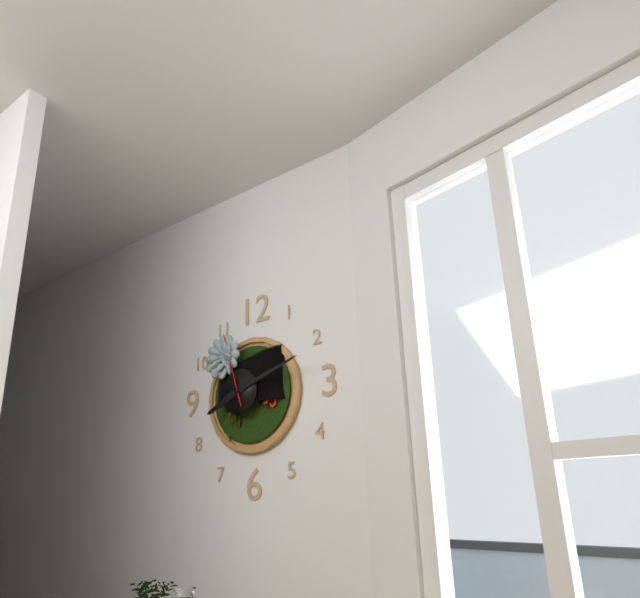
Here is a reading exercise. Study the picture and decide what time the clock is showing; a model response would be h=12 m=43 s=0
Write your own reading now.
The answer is h=8 m=12 s=57
